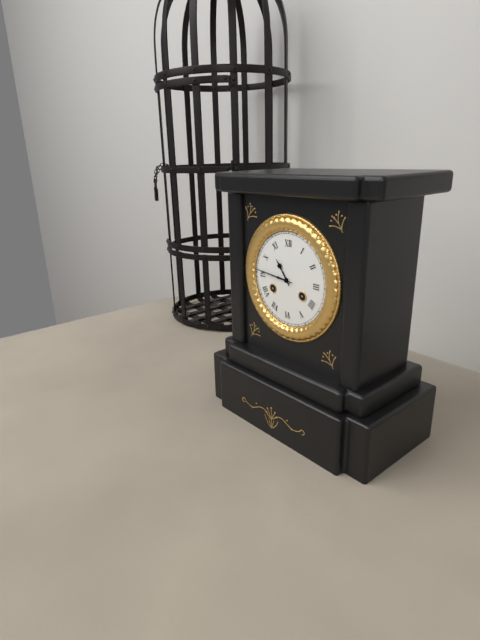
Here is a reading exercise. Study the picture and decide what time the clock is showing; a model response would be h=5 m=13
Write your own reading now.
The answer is h=10 m=46
